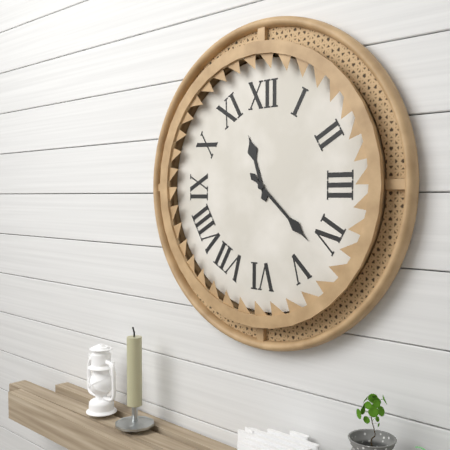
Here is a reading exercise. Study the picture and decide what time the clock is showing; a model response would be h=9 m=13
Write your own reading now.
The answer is h=11 m=22
